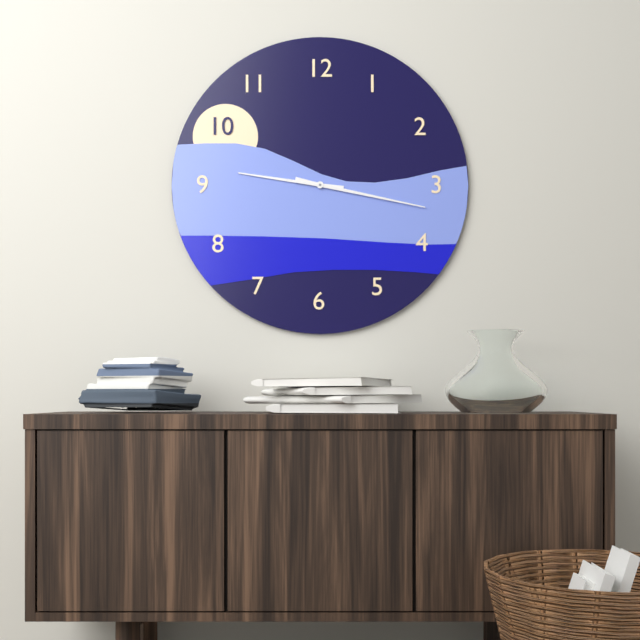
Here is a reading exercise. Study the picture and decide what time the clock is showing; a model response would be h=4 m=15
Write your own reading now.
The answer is h=9 m=17
